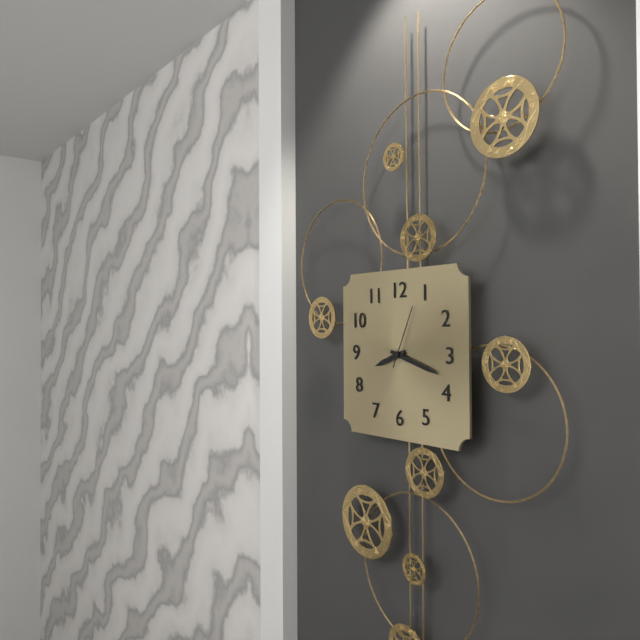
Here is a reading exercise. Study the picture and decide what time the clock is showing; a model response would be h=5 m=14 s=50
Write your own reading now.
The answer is h=8 m=18 s=4
